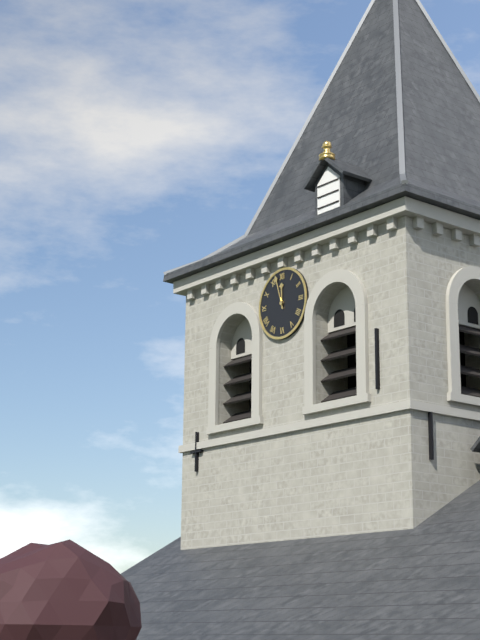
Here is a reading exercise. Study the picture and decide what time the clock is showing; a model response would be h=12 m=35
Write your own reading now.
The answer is h=11 m=57
